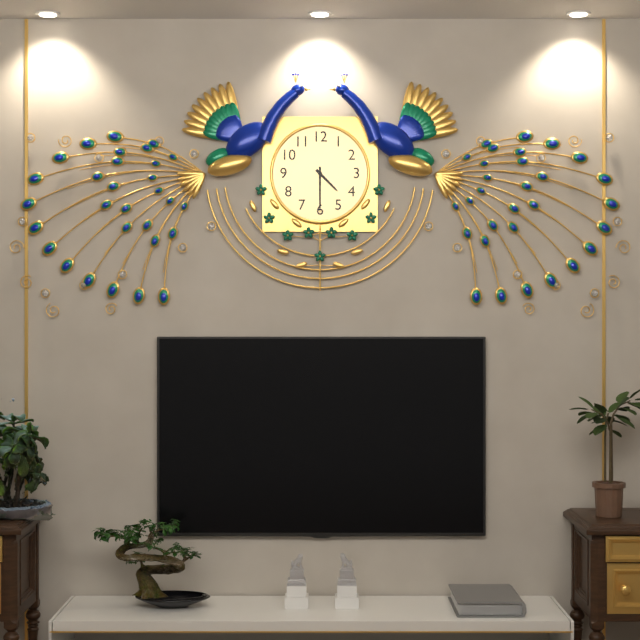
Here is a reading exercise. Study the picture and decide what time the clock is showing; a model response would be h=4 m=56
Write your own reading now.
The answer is h=4 m=30
